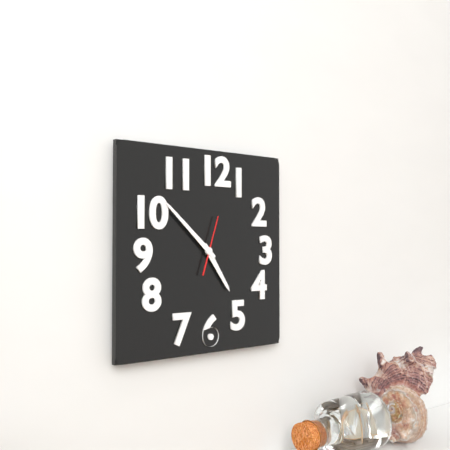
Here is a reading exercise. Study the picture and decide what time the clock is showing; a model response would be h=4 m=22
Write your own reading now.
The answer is h=4 m=52
